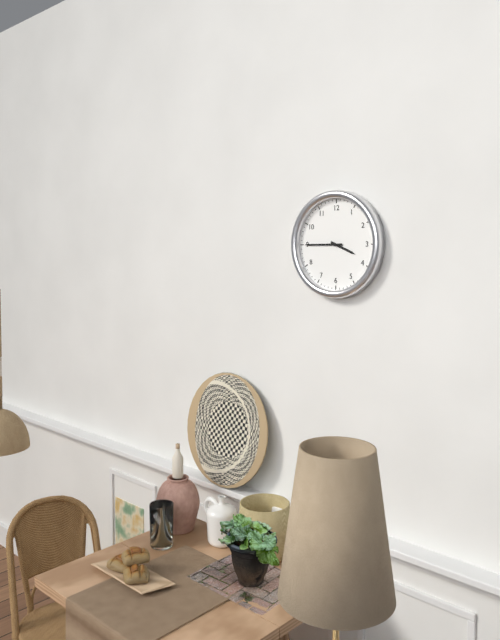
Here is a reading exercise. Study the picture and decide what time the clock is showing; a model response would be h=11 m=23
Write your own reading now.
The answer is h=3 m=45
